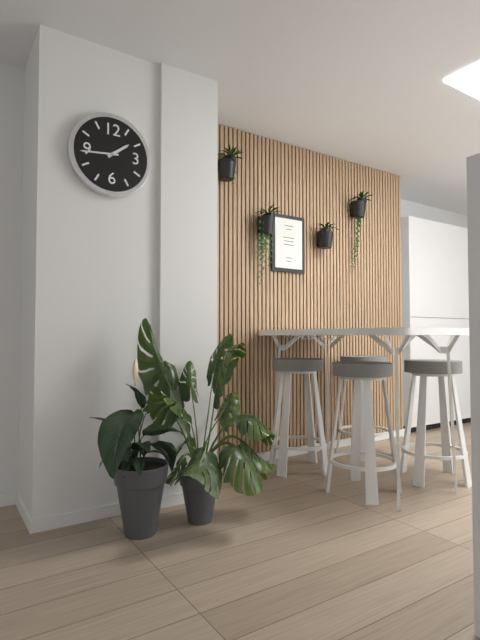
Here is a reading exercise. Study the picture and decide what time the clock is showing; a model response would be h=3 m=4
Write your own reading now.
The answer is h=1 m=44
